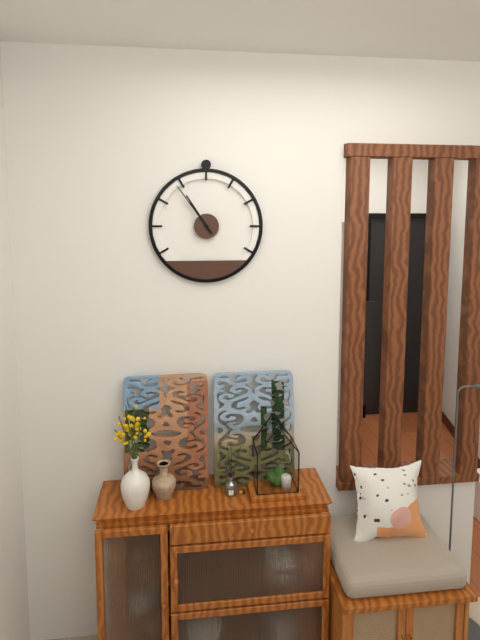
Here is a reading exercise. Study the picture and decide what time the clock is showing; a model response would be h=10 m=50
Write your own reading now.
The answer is h=10 m=54
